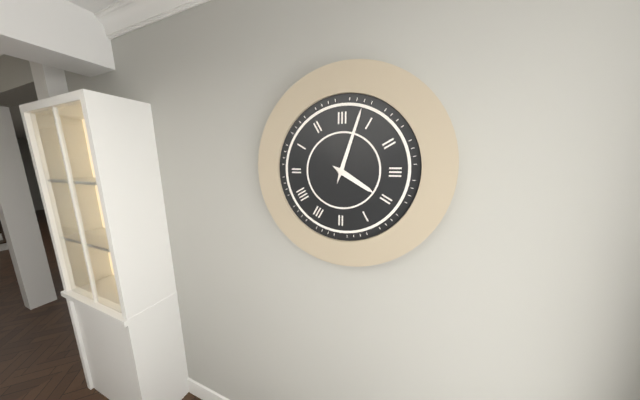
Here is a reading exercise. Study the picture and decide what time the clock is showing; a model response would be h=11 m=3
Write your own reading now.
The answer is h=4 m=3
